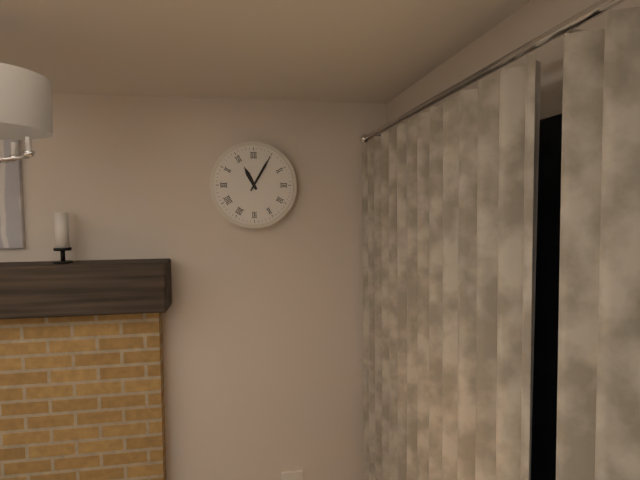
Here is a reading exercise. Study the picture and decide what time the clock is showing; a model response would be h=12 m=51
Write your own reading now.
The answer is h=11 m=5
